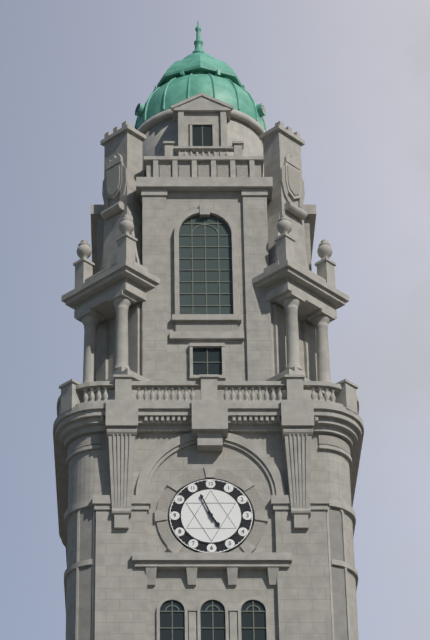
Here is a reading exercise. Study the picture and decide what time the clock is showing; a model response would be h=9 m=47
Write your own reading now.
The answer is h=4 m=56
